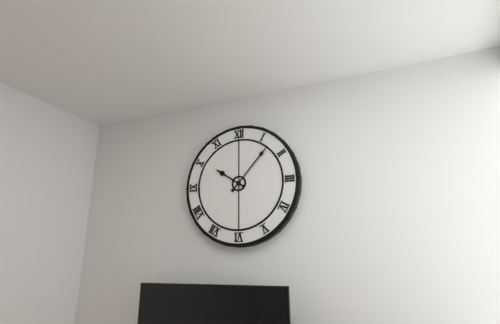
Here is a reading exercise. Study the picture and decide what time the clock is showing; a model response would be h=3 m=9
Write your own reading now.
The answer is h=10 m=7
